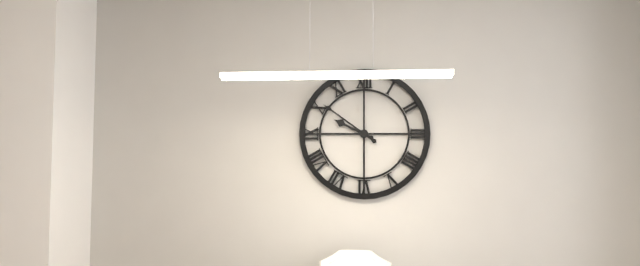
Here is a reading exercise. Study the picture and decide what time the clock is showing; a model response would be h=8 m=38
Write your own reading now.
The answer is h=9 m=51
